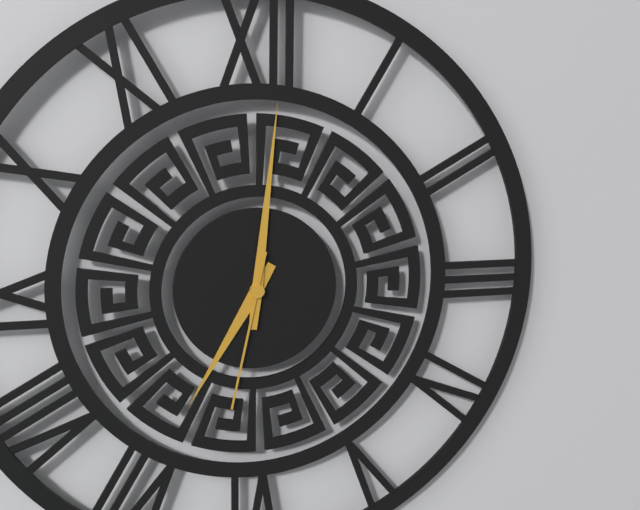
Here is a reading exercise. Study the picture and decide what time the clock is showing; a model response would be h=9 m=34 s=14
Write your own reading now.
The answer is h=7 m=1 s=32
